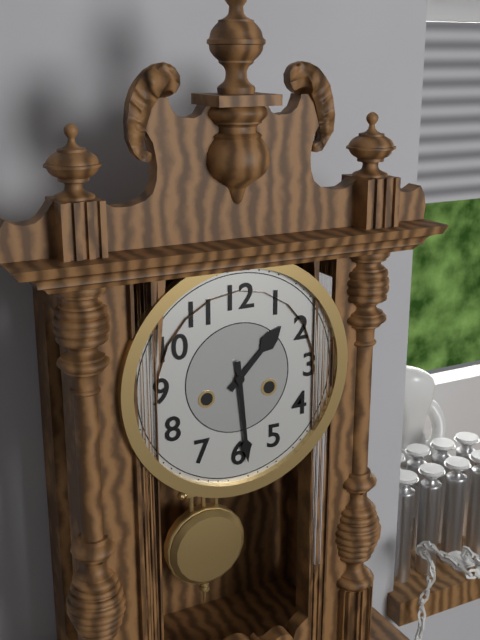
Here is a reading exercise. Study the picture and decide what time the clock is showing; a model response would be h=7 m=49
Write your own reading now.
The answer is h=1 m=29
